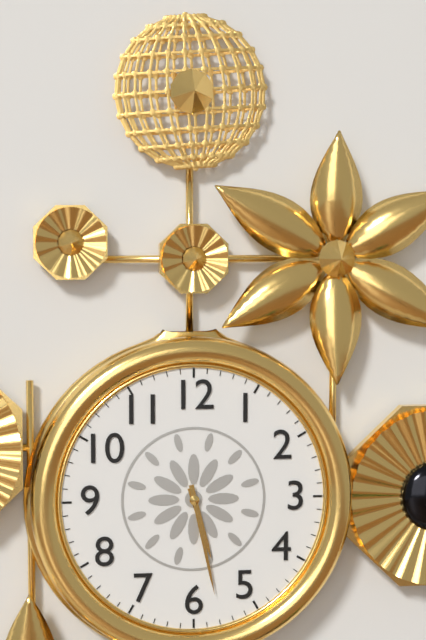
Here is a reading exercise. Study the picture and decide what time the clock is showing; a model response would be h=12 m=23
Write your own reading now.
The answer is h=5 m=28
